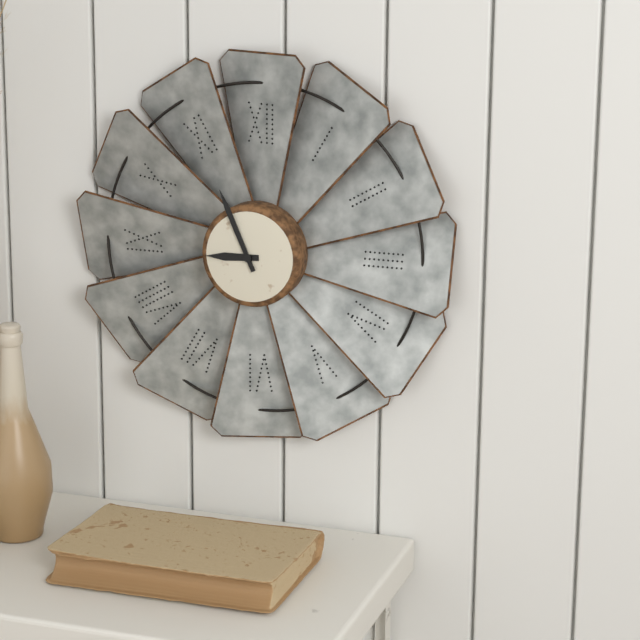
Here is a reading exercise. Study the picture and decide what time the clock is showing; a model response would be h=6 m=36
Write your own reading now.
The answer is h=8 m=56
